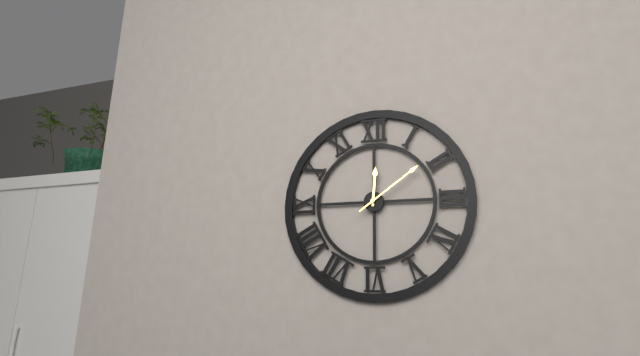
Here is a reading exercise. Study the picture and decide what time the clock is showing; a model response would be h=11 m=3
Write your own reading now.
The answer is h=12 m=9
